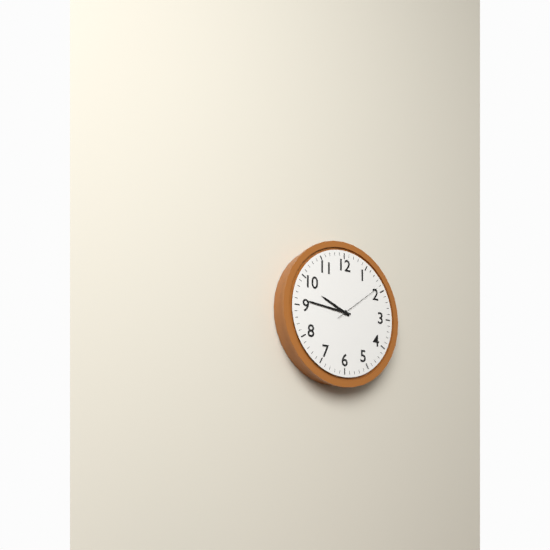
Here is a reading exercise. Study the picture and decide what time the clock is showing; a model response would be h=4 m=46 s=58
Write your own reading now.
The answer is h=9 m=46 s=9
